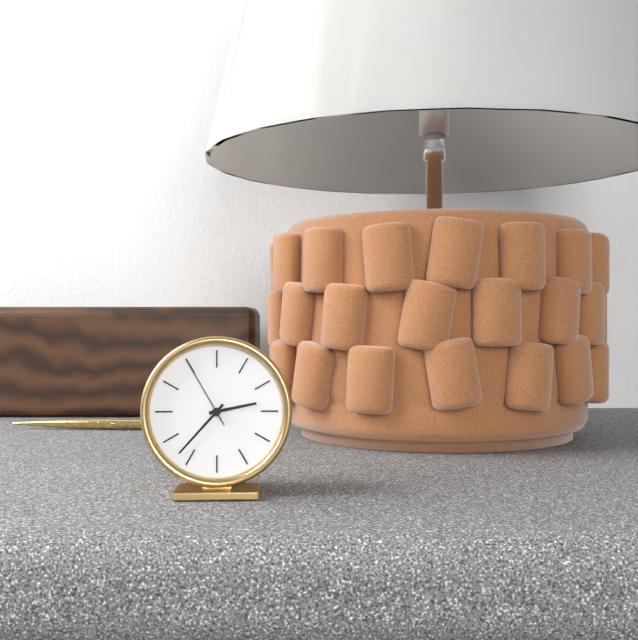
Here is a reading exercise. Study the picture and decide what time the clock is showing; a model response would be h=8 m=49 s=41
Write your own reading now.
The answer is h=2 m=37 s=55
